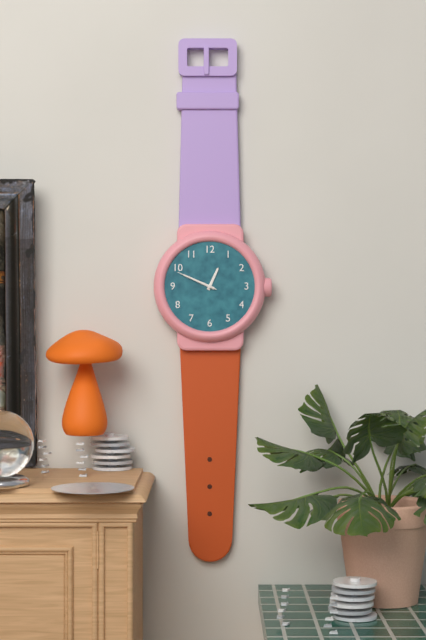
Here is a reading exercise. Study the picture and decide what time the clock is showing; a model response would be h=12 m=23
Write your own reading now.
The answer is h=12 m=49
